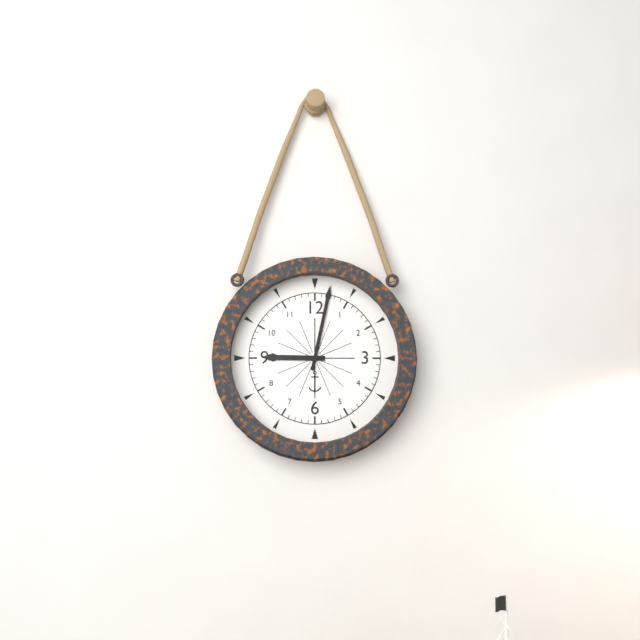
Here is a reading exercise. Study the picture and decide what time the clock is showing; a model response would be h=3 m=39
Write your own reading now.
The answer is h=9 m=2
